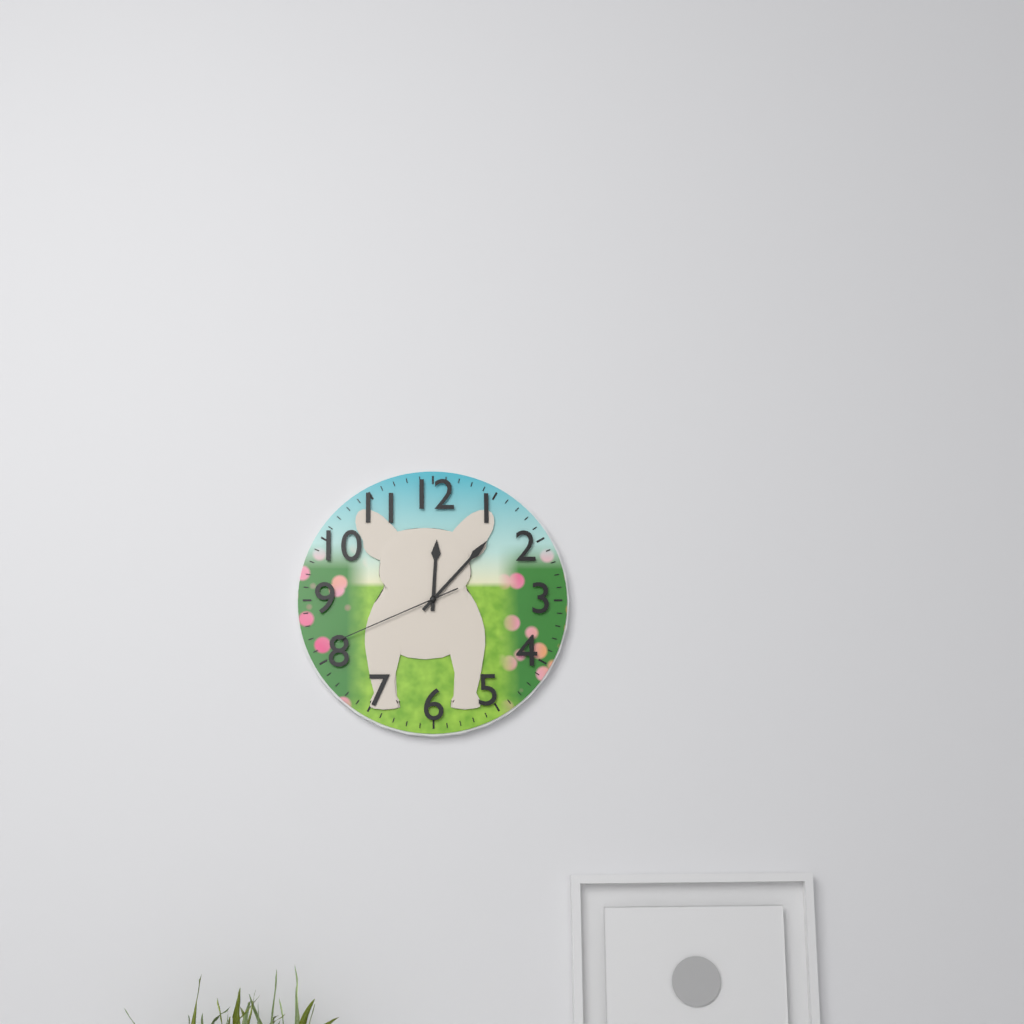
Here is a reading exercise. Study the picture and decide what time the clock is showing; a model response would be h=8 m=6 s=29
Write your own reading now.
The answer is h=12 m=7 s=41
